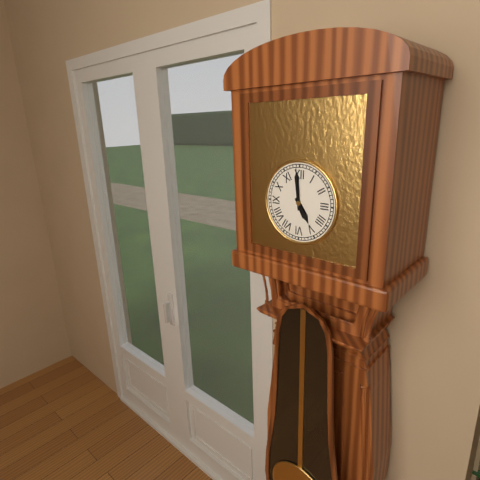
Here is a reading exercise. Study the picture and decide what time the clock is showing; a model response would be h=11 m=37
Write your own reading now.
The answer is h=4 m=59
